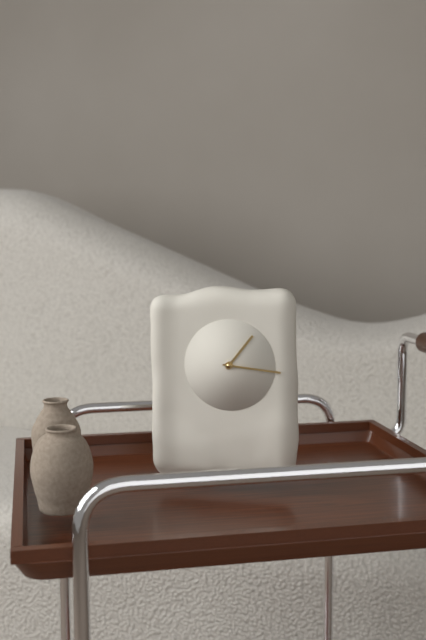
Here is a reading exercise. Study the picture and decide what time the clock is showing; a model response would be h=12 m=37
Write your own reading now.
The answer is h=1 m=16
